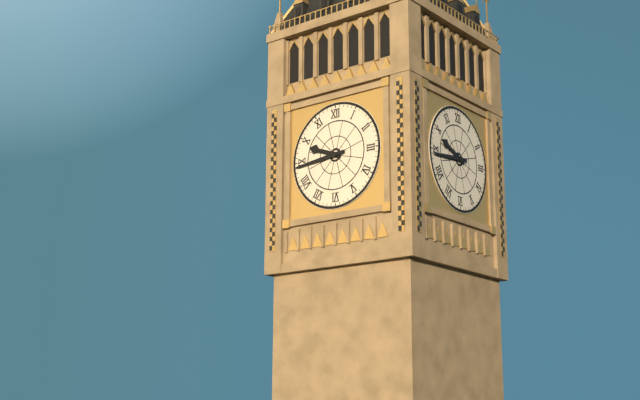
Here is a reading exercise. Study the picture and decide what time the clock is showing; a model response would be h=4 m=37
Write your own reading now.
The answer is h=9 m=44
